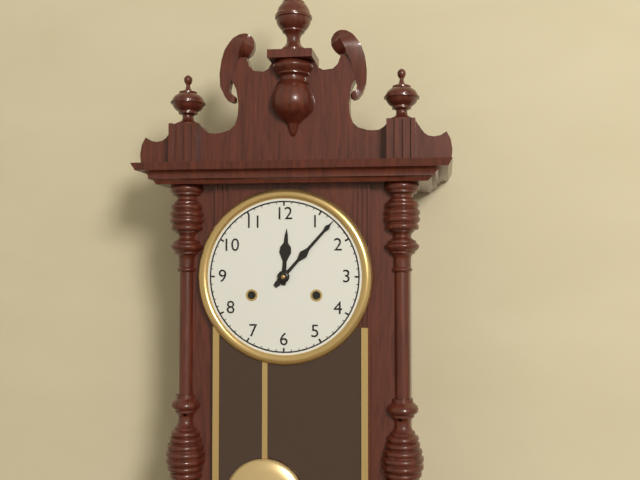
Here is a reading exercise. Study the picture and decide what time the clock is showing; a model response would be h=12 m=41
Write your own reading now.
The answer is h=12 m=7
